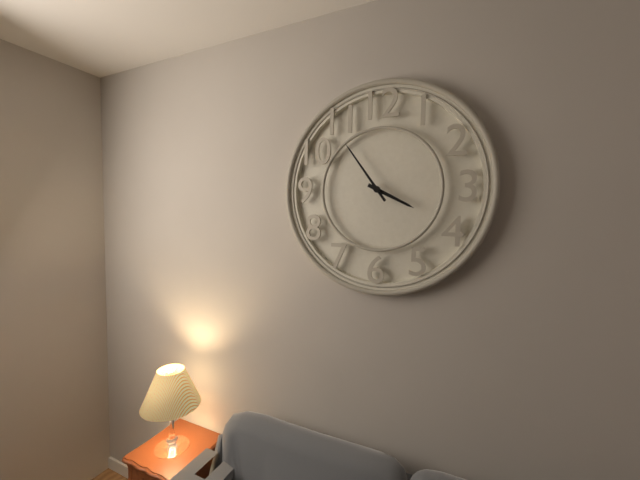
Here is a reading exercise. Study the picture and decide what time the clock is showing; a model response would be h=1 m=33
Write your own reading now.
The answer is h=3 m=54
